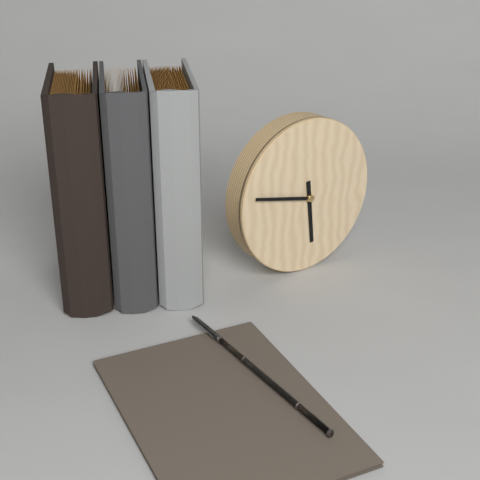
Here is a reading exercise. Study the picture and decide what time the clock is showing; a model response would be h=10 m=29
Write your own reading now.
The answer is h=5 m=47
